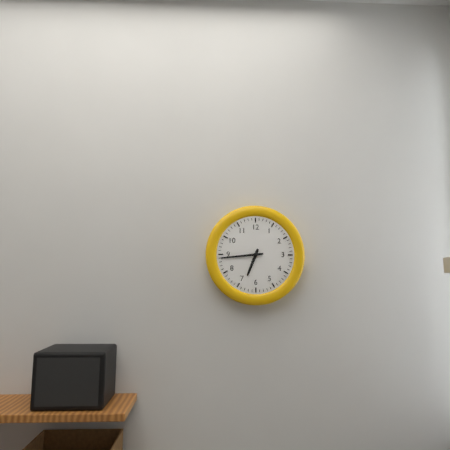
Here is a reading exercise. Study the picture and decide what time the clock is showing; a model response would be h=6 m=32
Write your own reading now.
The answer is h=6 m=44
